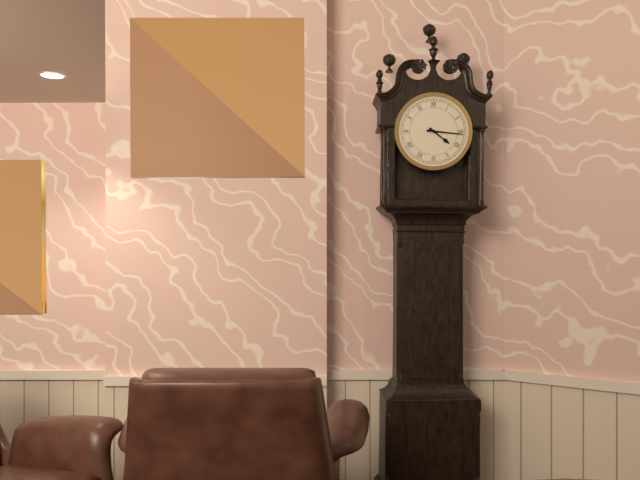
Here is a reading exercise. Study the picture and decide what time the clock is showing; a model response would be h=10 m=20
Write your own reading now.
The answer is h=4 m=16
